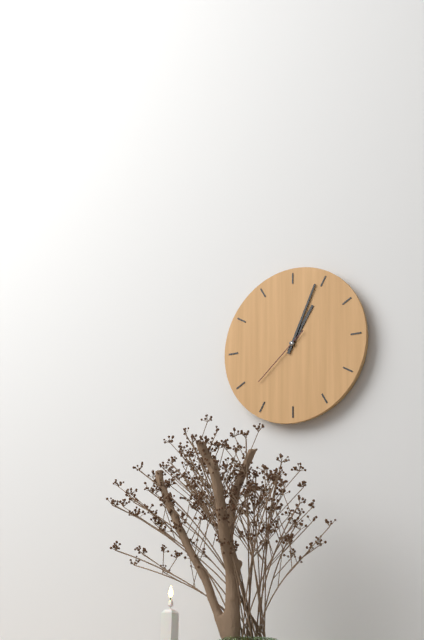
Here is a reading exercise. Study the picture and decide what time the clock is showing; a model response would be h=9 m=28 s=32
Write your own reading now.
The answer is h=1 m=4 s=38
